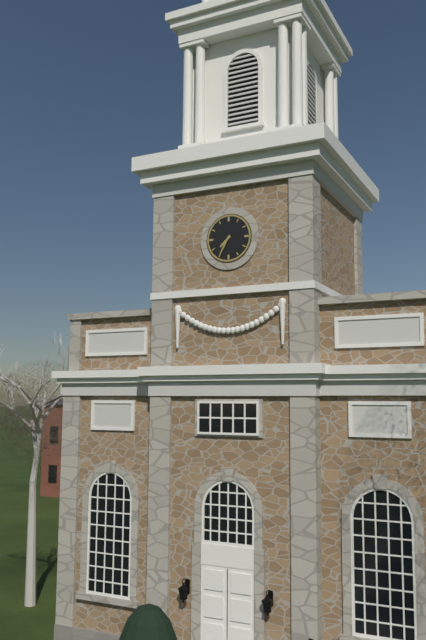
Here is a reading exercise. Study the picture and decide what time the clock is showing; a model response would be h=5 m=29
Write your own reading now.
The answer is h=7 m=35
